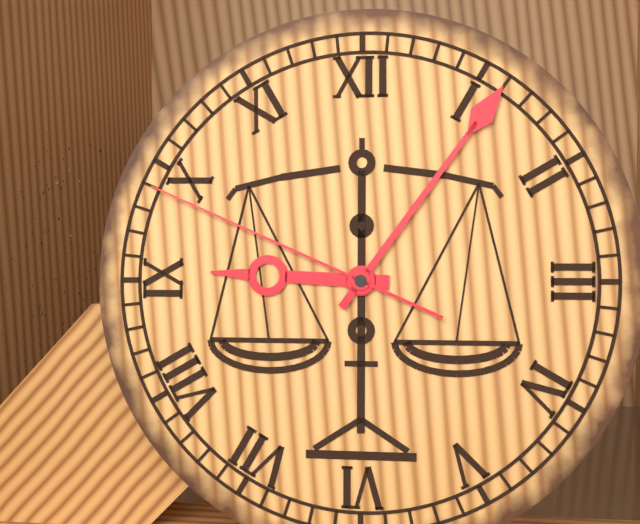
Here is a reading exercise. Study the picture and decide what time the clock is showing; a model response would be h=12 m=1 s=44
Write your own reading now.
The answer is h=9 m=6 s=49
